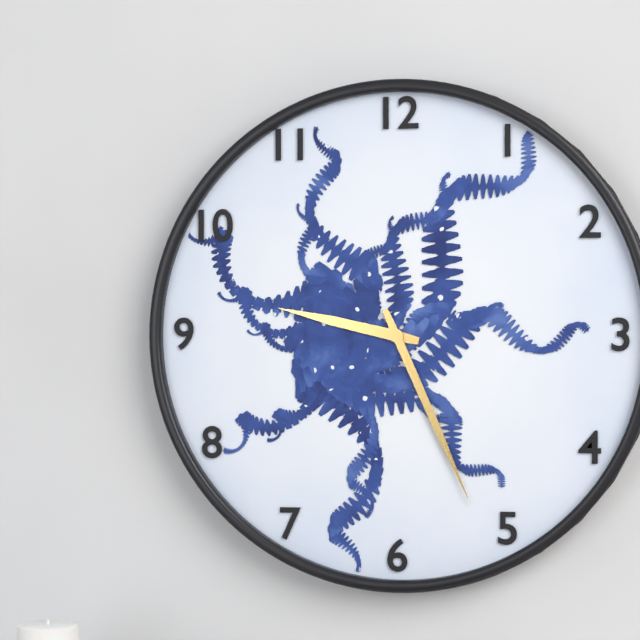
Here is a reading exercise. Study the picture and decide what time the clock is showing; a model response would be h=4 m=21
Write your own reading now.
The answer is h=9 m=26
